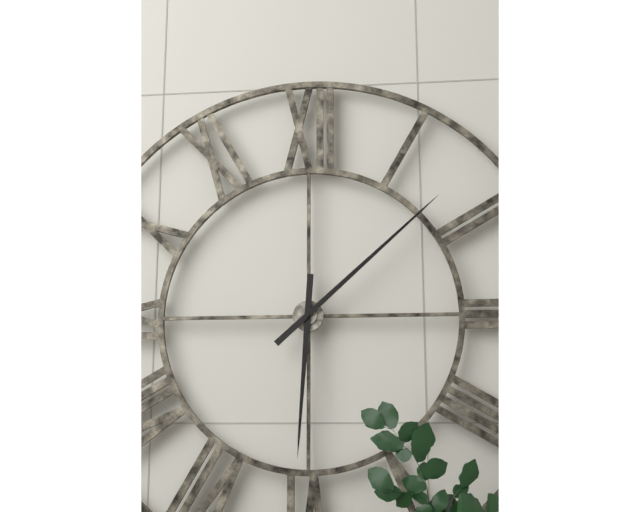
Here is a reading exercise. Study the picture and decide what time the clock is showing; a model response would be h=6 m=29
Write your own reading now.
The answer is h=6 m=8
